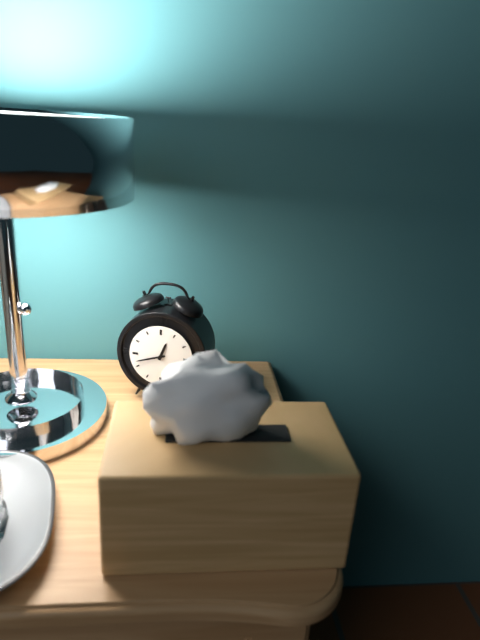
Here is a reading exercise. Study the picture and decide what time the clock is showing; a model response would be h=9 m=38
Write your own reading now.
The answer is h=12 m=42
